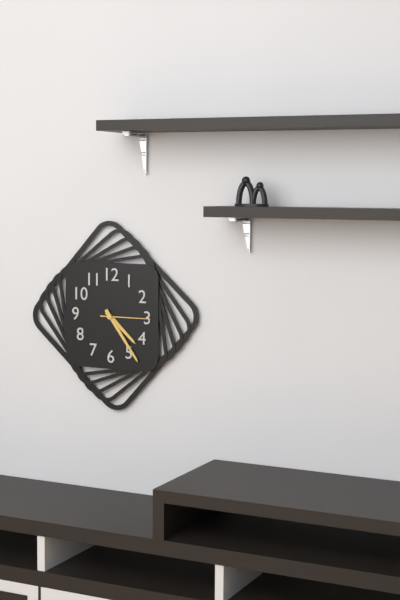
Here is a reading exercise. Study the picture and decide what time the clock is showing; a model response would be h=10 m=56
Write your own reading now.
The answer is h=4 m=24
